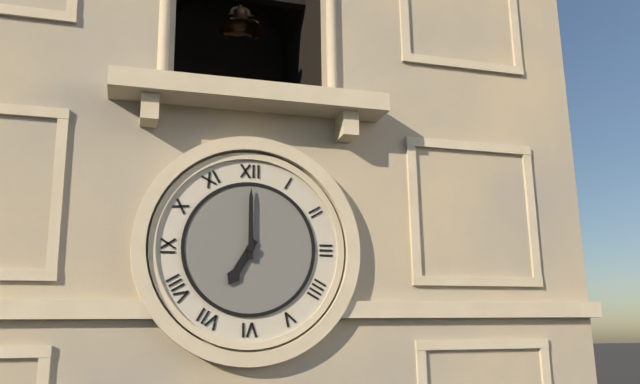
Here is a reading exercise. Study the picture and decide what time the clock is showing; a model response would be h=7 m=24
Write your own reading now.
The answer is h=7 m=0
